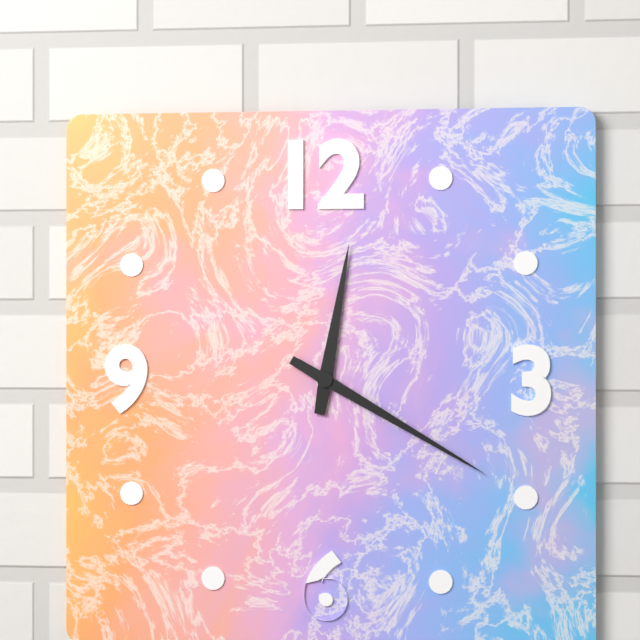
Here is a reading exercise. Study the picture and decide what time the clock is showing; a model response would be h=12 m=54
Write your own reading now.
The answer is h=12 m=20
